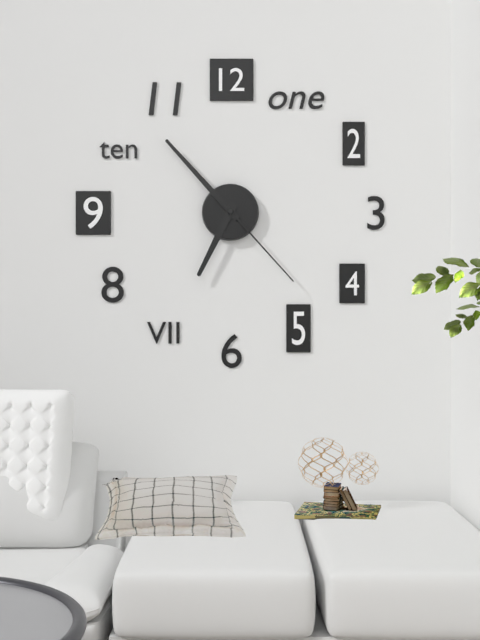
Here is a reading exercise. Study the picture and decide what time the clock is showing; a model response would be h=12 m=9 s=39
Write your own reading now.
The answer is h=6 m=53 s=23
